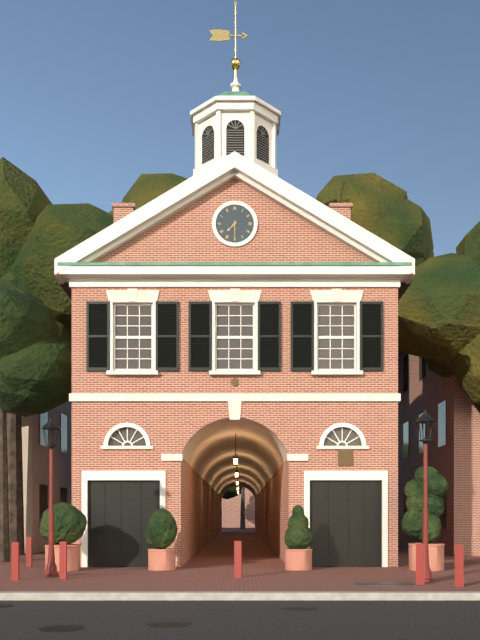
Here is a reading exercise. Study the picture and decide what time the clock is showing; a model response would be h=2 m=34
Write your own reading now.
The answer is h=7 m=30
